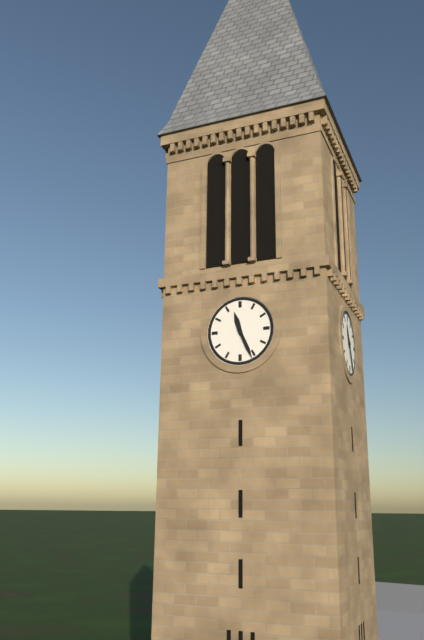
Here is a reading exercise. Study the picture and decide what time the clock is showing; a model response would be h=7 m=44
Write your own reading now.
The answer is h=11 m=26
